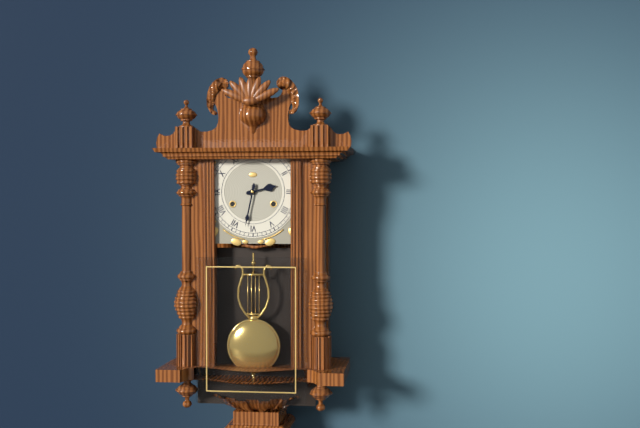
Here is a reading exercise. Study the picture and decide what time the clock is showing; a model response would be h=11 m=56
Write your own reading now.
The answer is h=2 m=32
